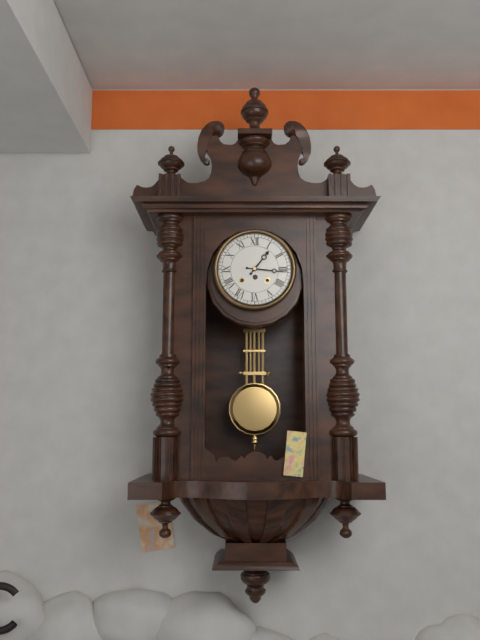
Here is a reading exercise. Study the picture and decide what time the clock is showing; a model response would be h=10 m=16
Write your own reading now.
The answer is h=1 m=16
